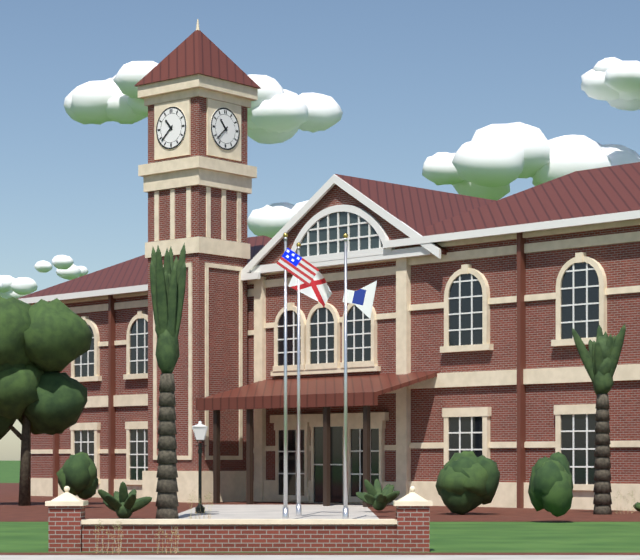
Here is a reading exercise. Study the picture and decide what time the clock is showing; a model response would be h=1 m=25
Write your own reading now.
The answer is h=10 m=38
